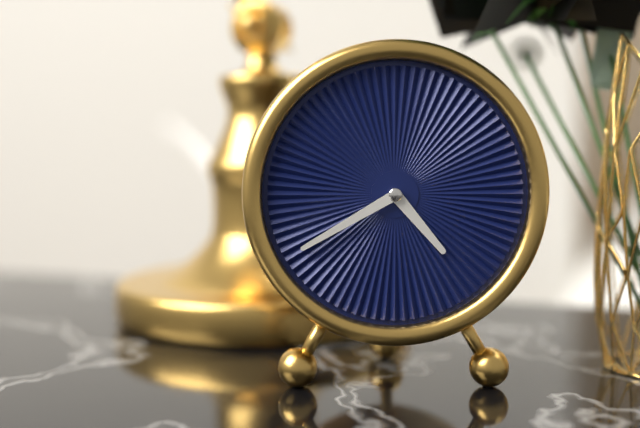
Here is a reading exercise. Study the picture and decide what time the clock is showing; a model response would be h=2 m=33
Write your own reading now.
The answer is h=4 m=40
